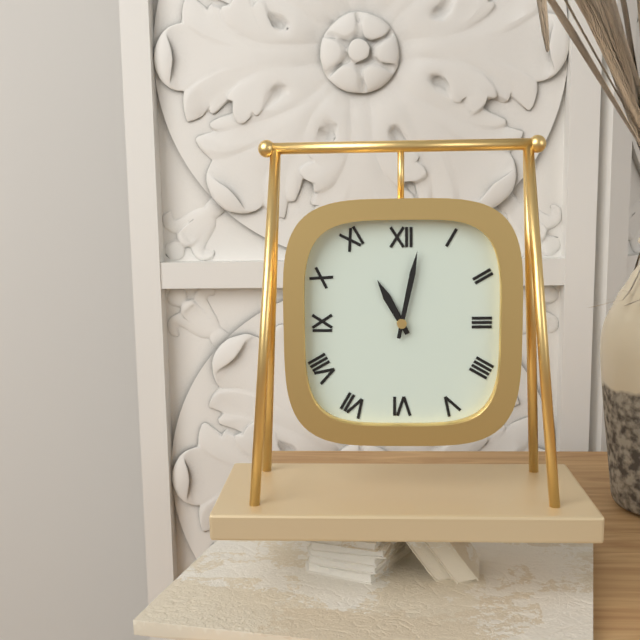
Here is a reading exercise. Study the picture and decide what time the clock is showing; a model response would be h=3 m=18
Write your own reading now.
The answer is h=11 m=2
